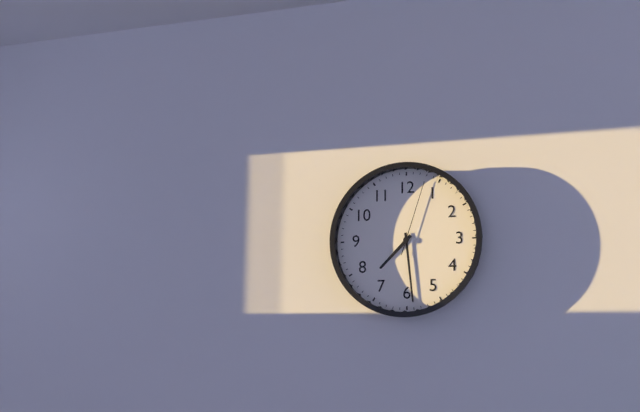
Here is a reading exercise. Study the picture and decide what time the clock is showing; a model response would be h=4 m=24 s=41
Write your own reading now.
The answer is h=7 m=29 s=3
